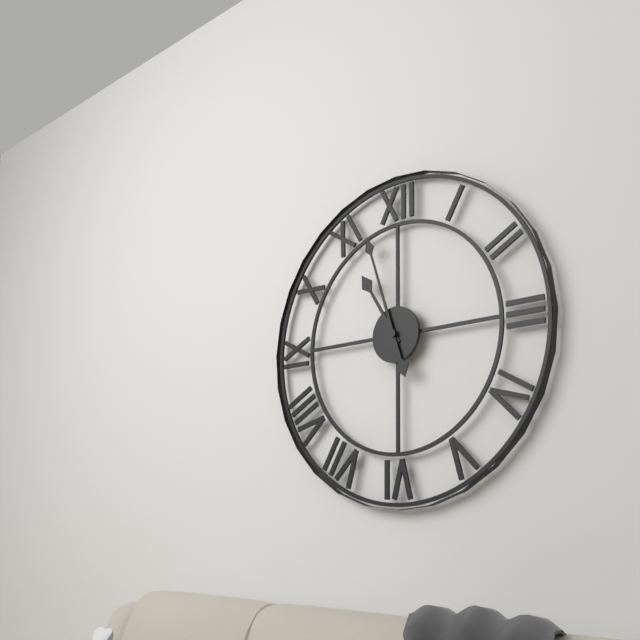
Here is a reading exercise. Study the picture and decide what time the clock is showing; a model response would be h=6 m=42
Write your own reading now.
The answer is h=10 m=57
